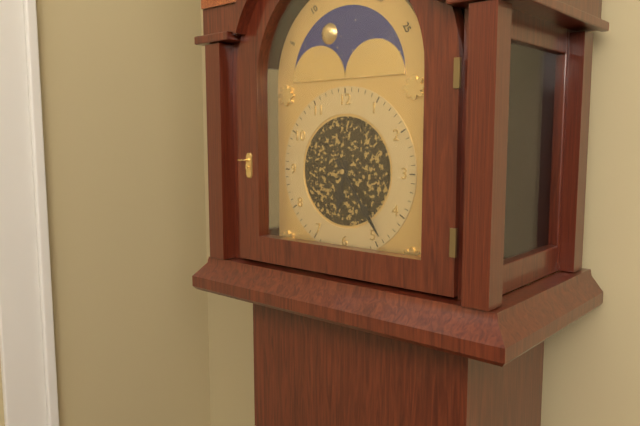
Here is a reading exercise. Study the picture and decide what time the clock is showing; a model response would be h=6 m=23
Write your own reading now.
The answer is h=6 m=24
